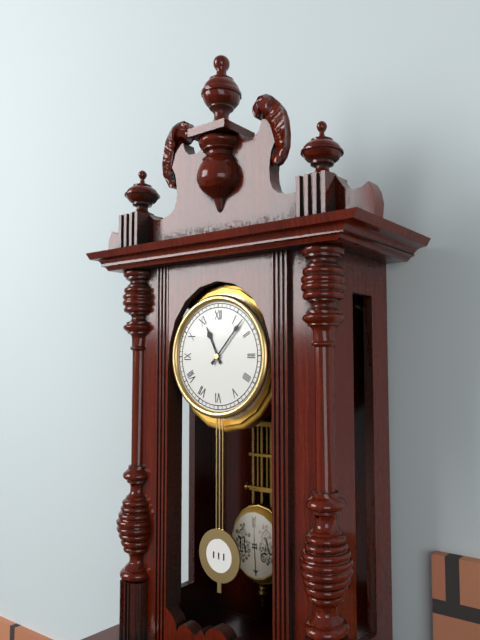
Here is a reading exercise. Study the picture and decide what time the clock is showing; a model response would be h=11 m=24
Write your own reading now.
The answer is h=11 m=7
